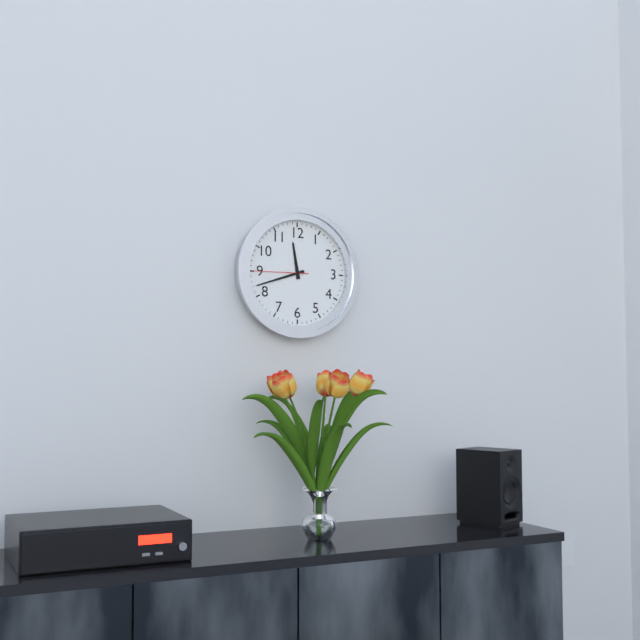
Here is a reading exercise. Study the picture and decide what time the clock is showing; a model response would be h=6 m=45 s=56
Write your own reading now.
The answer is h=11 m=42 s=45
